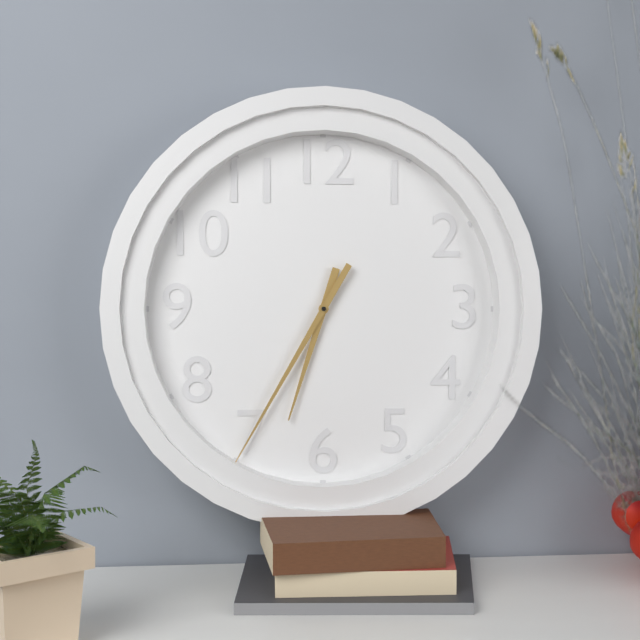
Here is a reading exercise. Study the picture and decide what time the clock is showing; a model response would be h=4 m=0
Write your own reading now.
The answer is h=6 m=35
